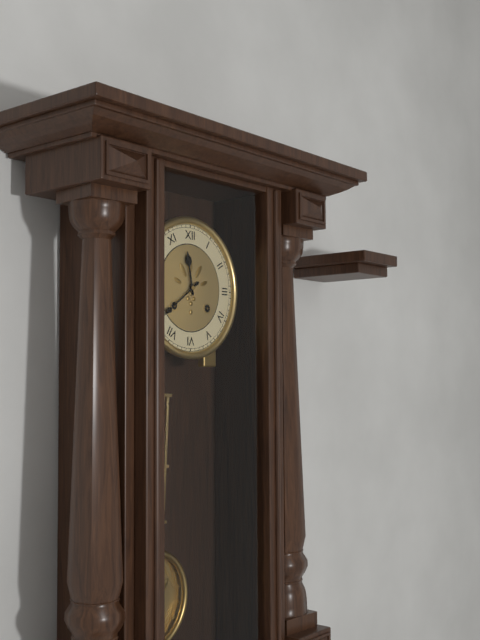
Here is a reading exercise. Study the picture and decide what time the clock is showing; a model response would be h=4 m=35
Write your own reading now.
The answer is h=11 m=39
